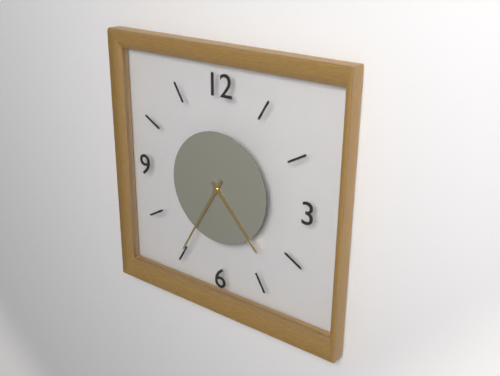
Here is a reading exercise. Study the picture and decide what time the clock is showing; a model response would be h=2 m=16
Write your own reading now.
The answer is h=4 m=35
